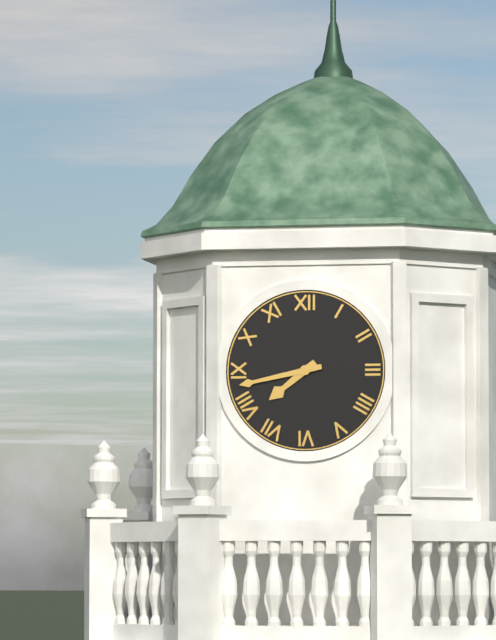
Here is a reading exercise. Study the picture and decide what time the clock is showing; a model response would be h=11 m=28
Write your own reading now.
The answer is h=7 m=43
